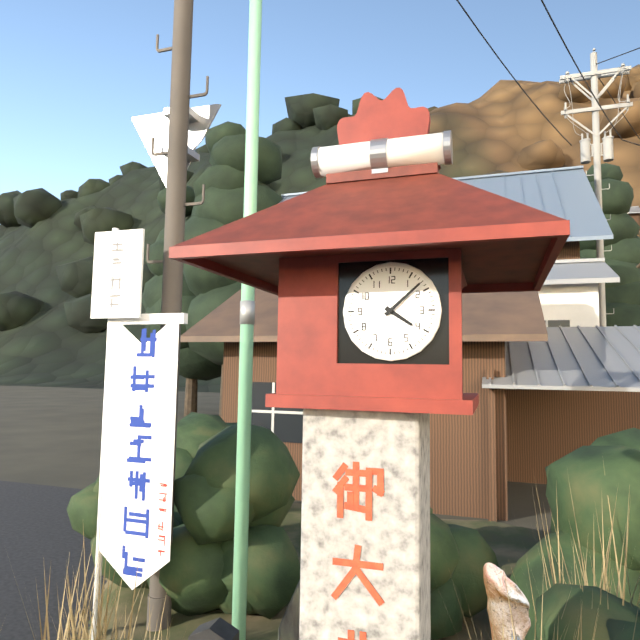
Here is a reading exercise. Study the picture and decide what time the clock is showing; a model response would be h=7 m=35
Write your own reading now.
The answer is h=4 m=8
